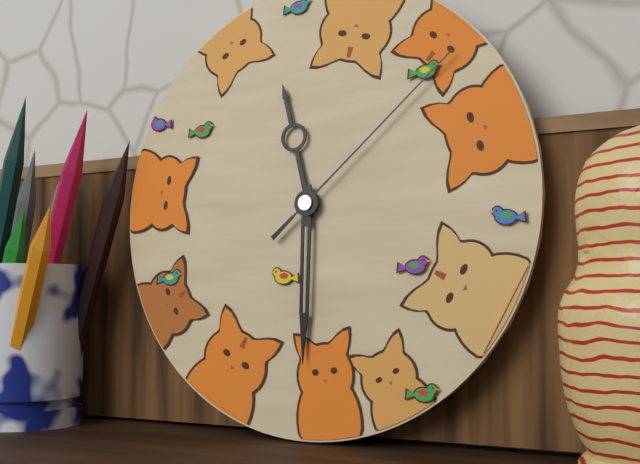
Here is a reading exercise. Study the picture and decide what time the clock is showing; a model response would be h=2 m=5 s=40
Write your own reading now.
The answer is h=11 m=30 s=8
